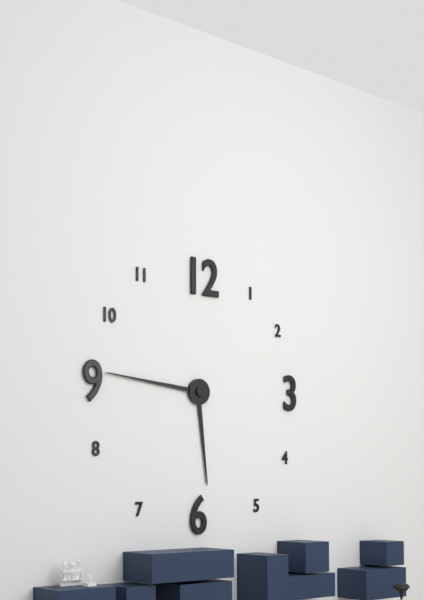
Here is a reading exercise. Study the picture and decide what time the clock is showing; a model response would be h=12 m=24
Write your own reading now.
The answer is h=5 m=46
